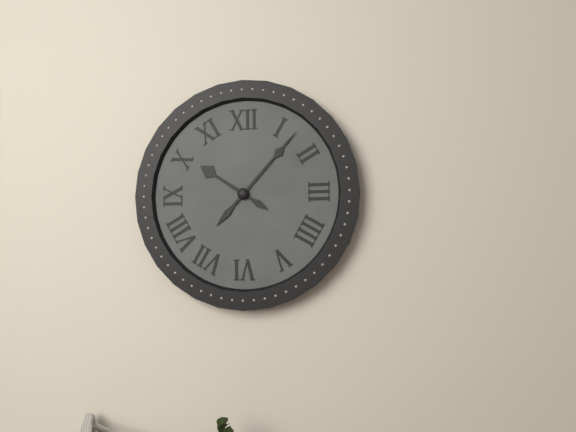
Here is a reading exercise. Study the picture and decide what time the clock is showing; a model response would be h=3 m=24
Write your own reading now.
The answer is h=10 m=7
